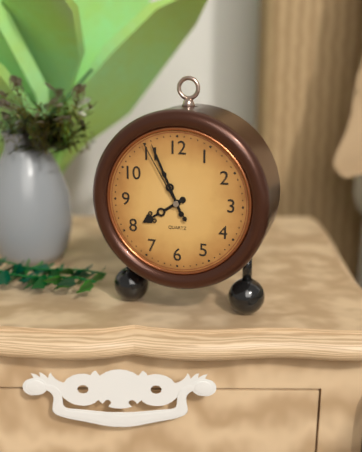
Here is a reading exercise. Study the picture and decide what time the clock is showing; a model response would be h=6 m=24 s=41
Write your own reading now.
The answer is h=7 m=56 s=55
